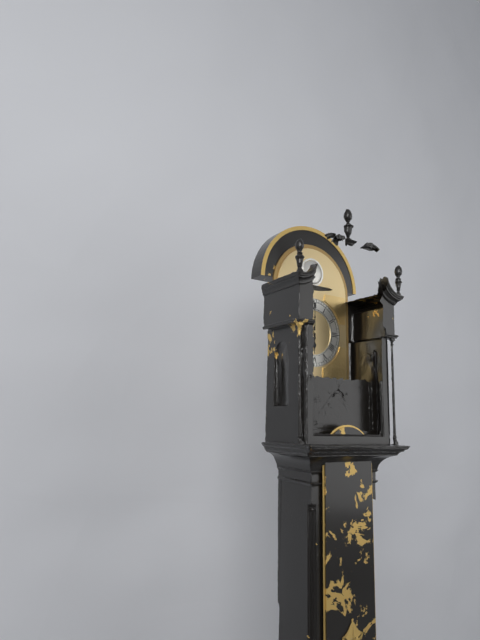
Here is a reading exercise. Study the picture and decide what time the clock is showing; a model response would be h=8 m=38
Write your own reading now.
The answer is h=6 m=0
